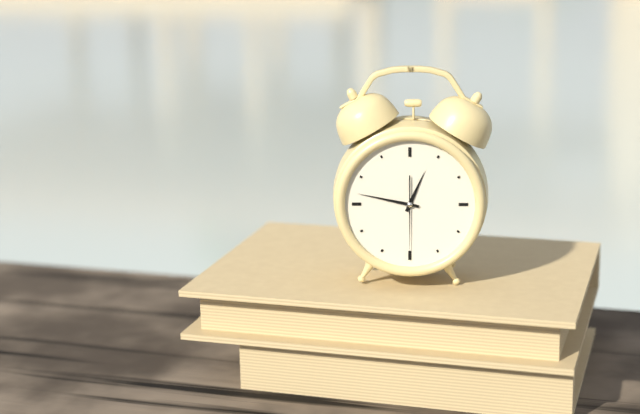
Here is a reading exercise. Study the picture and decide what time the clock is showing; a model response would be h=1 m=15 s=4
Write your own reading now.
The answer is h=12 m=47 s=30
